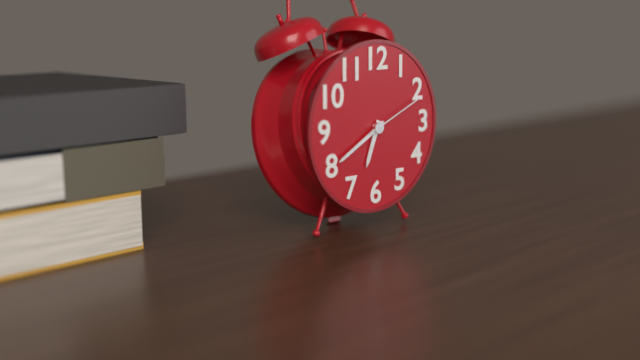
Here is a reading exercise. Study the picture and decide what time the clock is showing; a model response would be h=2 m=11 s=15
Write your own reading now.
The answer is h=6 m=40 s=11
